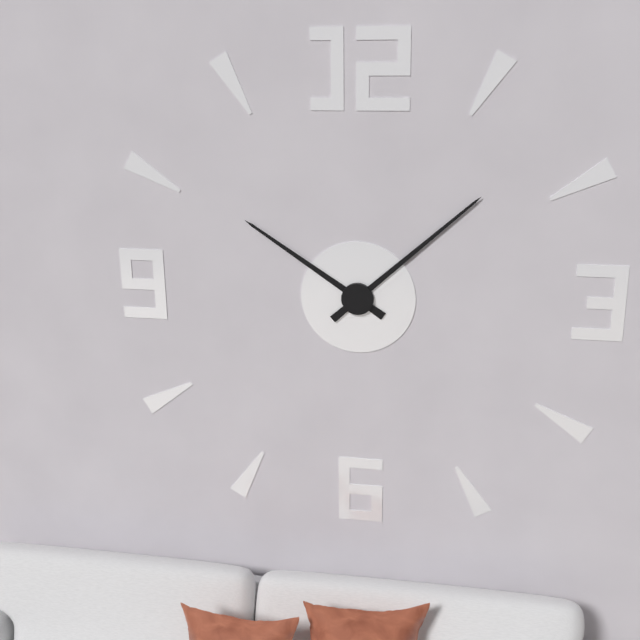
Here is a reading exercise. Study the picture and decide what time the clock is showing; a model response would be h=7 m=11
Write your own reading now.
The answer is h=10 m=8
